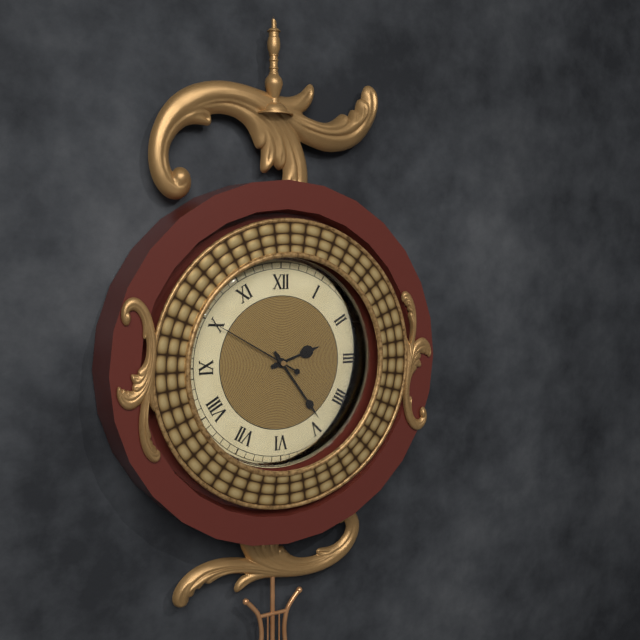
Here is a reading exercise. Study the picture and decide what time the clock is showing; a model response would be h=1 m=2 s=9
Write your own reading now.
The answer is h=2 m=24 s=50
